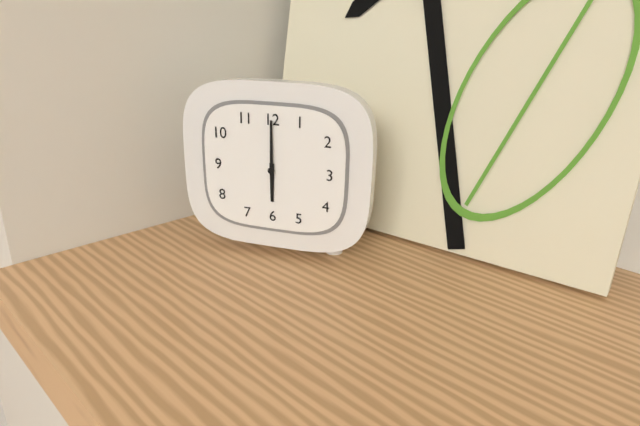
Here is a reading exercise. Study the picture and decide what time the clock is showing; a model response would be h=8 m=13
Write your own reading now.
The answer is h=6 m=0
